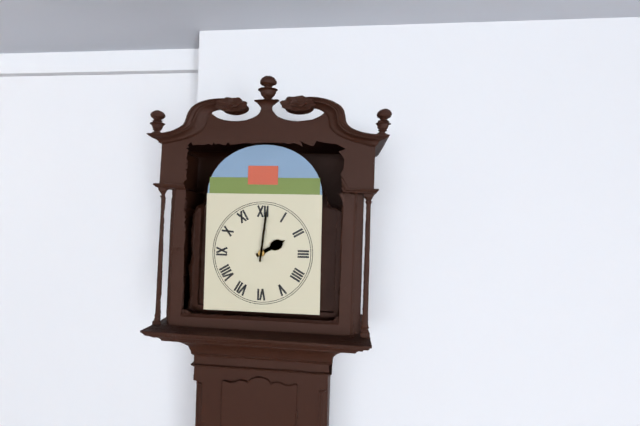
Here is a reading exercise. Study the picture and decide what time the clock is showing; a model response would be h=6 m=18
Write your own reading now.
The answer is h=2 m=1
